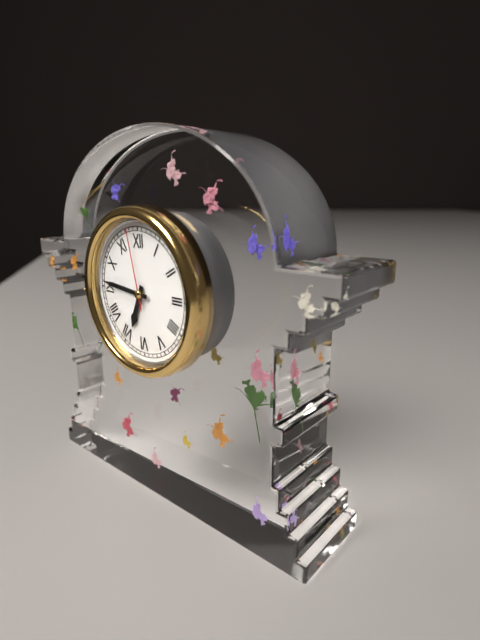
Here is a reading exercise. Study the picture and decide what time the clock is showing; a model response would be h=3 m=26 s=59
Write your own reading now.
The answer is h=6 m=46 s=58
